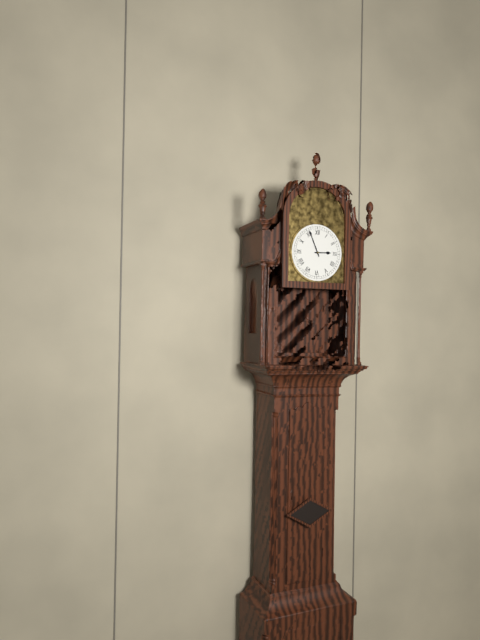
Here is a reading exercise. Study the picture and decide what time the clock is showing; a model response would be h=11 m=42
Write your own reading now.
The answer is h=2 m=56
